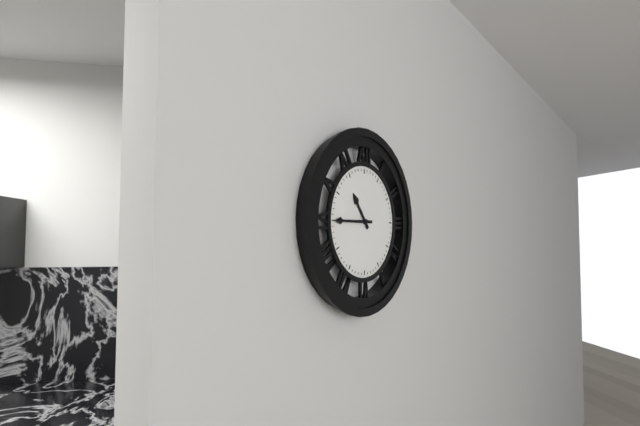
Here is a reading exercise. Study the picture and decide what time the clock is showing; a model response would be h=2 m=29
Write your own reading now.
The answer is h=10 m=45
